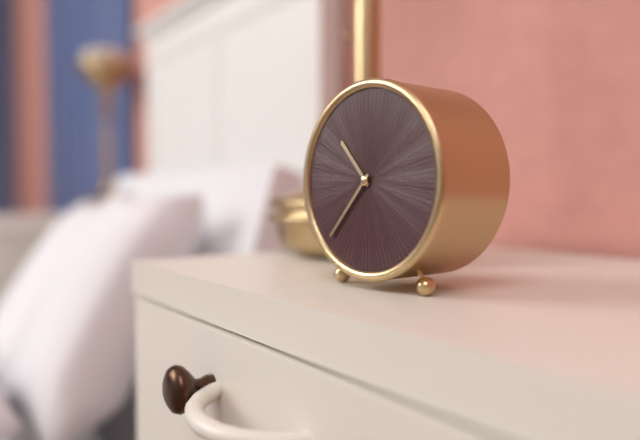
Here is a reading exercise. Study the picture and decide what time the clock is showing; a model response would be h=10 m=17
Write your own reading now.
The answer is h=10 m=37
